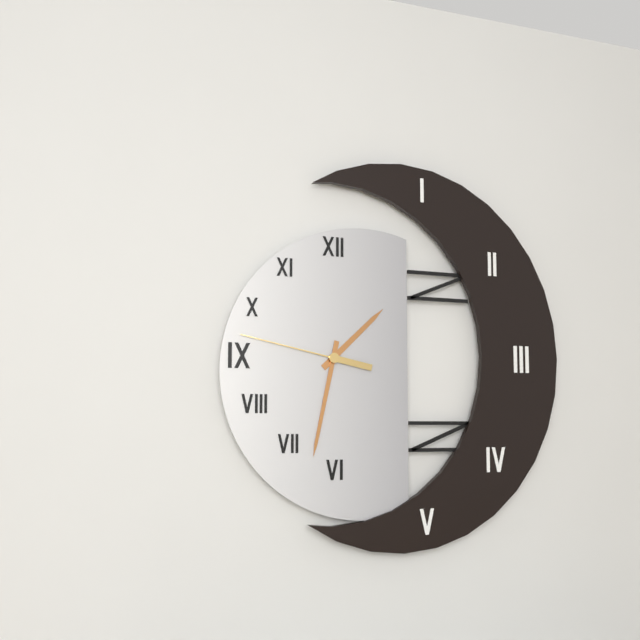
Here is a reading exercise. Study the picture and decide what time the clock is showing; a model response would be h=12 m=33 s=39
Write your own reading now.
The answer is h=1 m=32 s=47
